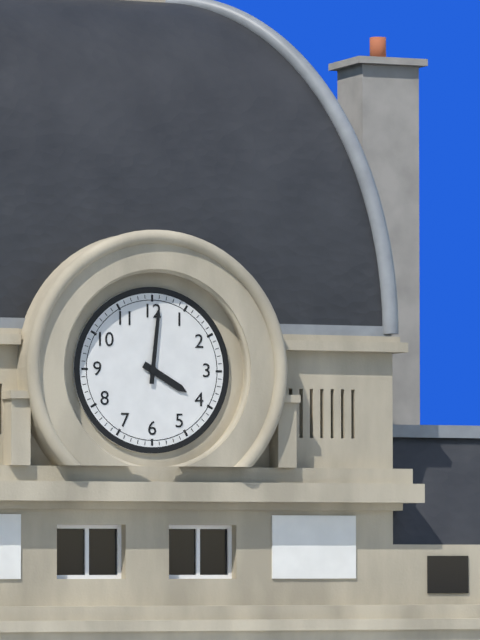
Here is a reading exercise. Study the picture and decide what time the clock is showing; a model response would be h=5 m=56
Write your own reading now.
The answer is h=4 m=1
